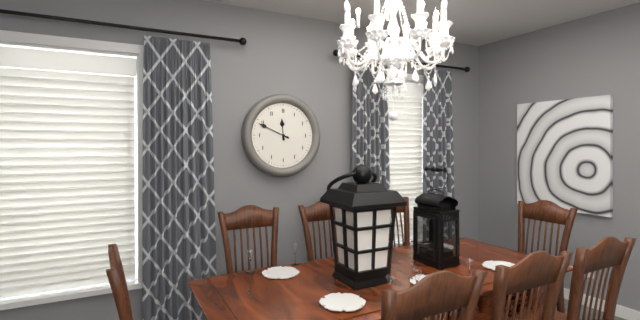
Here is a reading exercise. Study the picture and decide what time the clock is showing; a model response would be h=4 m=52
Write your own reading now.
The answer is h=11 m=49
